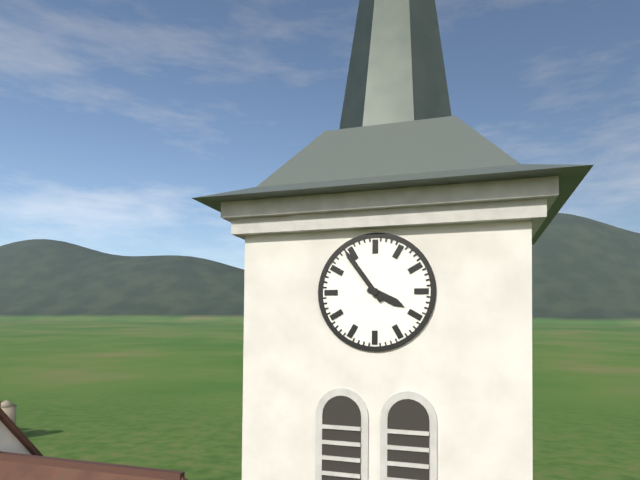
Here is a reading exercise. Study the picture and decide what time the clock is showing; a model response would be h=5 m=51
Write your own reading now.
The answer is h=3 m=54
